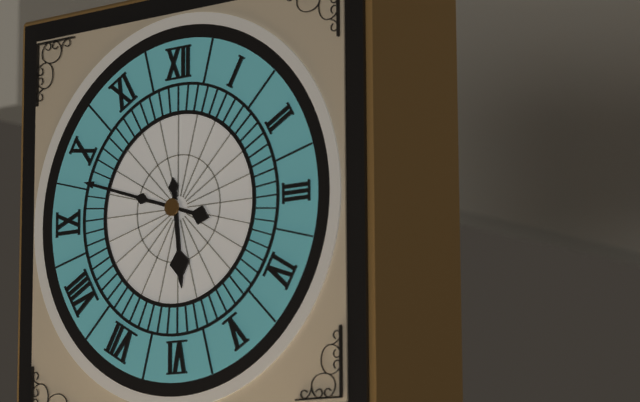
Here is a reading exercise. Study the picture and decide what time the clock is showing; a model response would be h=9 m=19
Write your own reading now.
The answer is h=5 m=48
